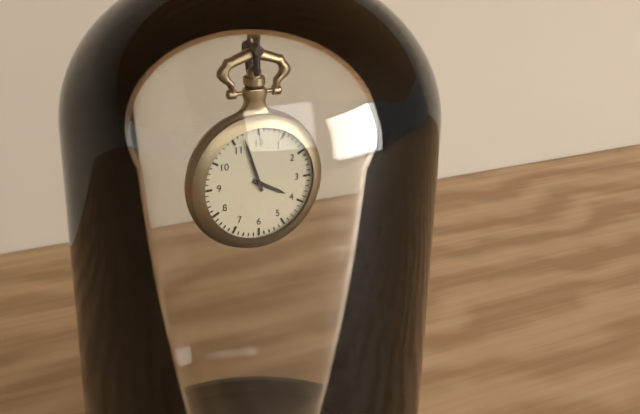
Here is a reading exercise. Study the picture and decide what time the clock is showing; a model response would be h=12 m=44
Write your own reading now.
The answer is h=3 m=57
